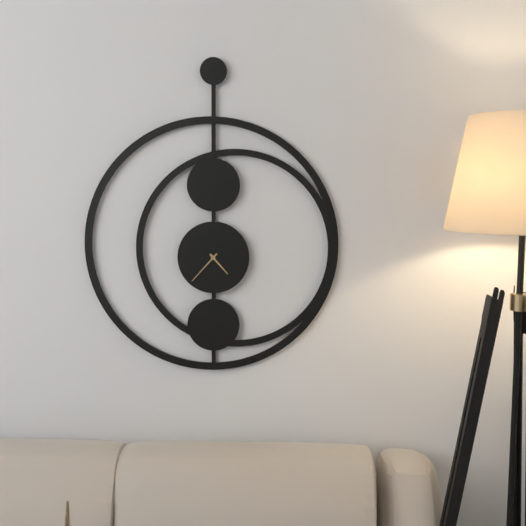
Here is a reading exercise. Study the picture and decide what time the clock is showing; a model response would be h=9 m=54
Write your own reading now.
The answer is h=4 m=37
